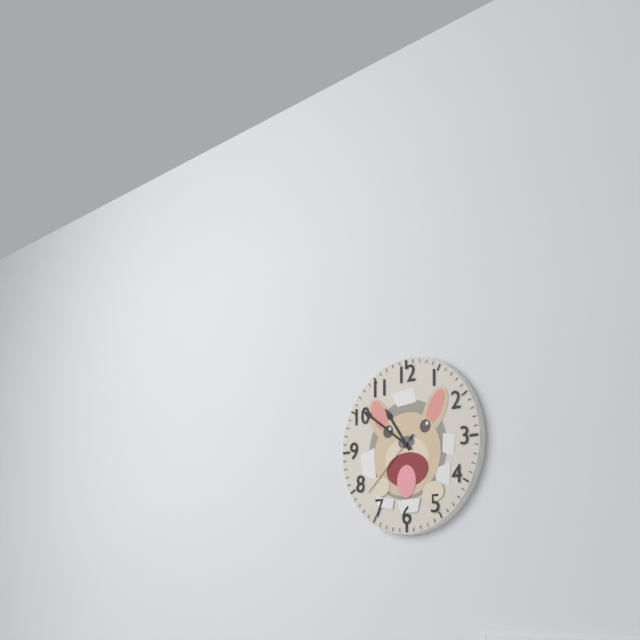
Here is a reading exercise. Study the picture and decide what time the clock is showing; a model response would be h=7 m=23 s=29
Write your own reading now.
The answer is h=10 m=51 s=38
